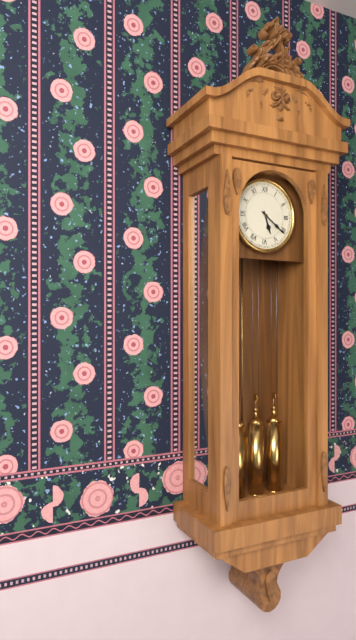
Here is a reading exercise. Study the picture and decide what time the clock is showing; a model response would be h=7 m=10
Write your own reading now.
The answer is h=5 m=21
